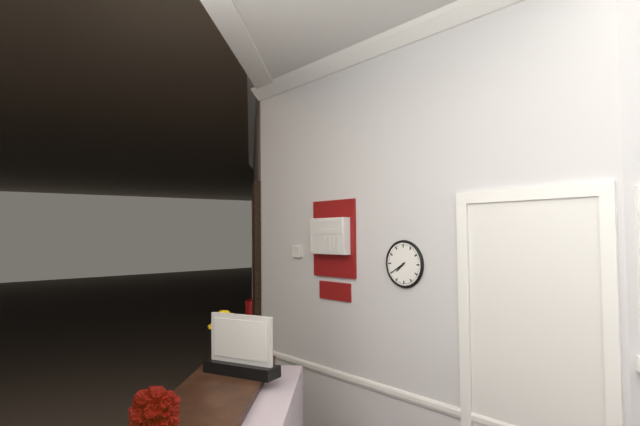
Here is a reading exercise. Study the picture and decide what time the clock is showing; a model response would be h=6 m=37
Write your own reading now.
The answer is h=7 m=40
